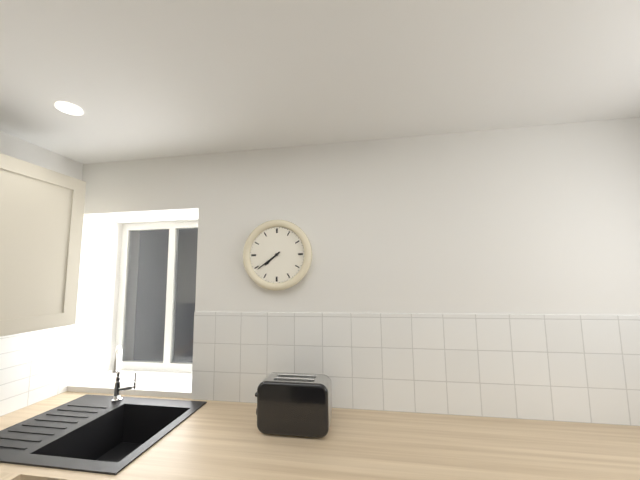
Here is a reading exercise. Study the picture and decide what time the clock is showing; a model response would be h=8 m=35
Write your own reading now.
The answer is h=7 m=39
